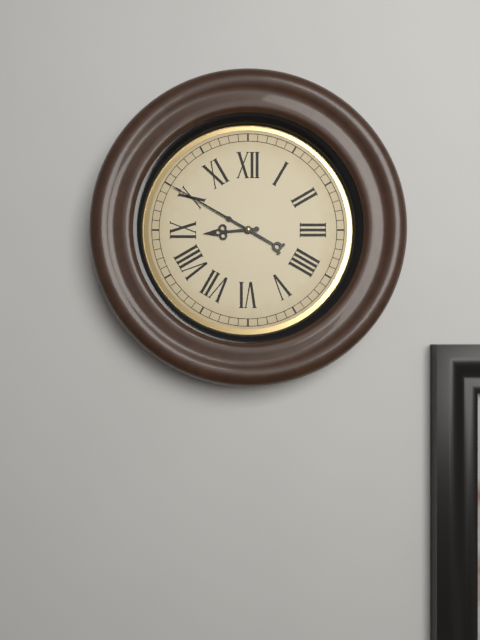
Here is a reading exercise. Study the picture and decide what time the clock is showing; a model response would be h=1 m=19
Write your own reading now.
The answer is h=8 m=50
